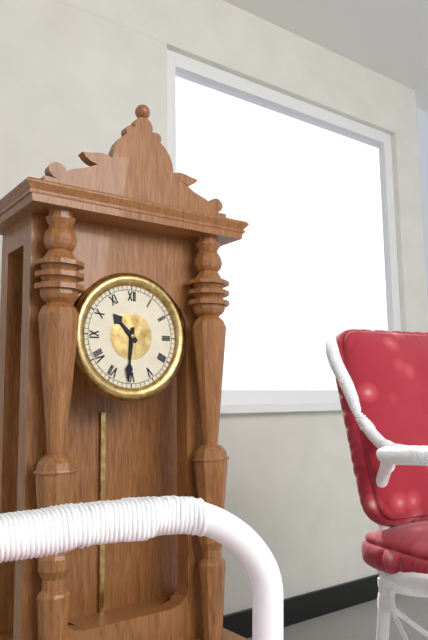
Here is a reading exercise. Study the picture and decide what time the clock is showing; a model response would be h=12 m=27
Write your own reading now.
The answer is h=10 m=31
